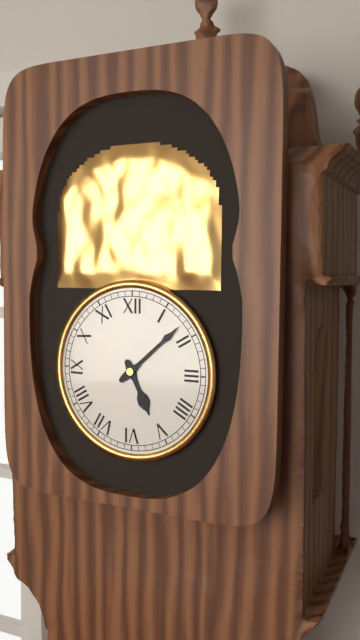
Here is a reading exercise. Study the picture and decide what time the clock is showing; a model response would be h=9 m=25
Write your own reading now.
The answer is h=5 m=8
